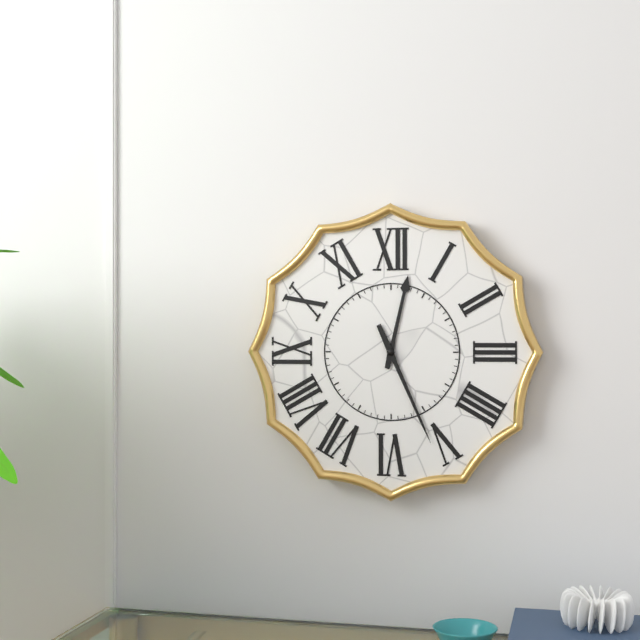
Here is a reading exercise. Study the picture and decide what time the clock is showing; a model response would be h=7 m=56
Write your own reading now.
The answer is h=12 m=26
